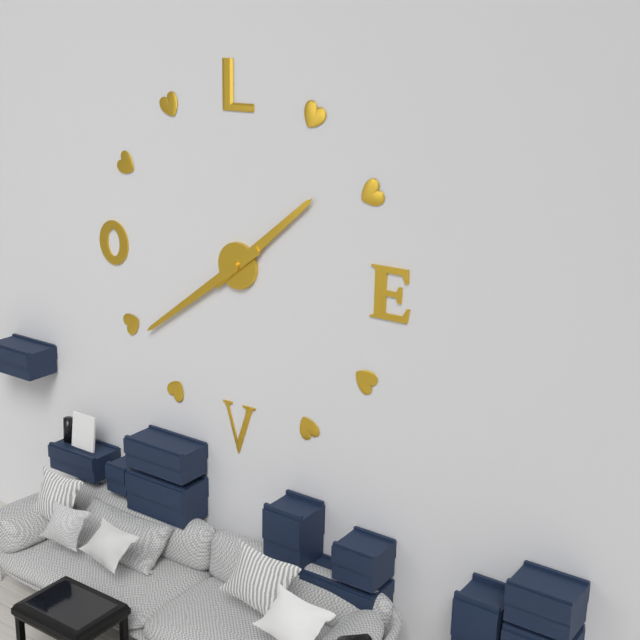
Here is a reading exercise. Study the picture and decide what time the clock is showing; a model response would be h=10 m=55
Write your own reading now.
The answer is h=1 m=39
